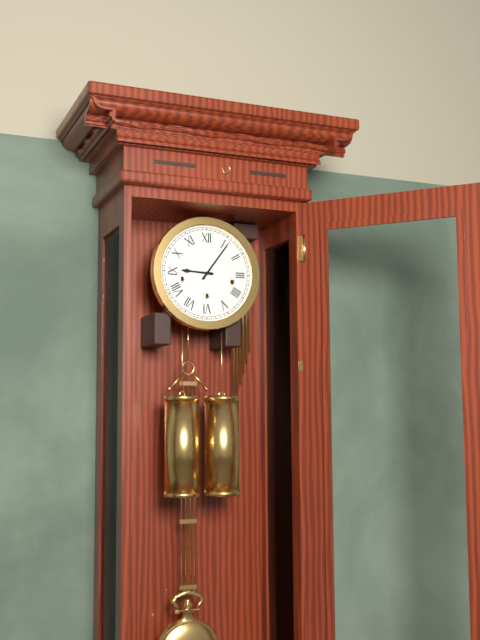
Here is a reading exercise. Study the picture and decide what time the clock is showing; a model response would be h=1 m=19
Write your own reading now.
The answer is h=9 m=6
